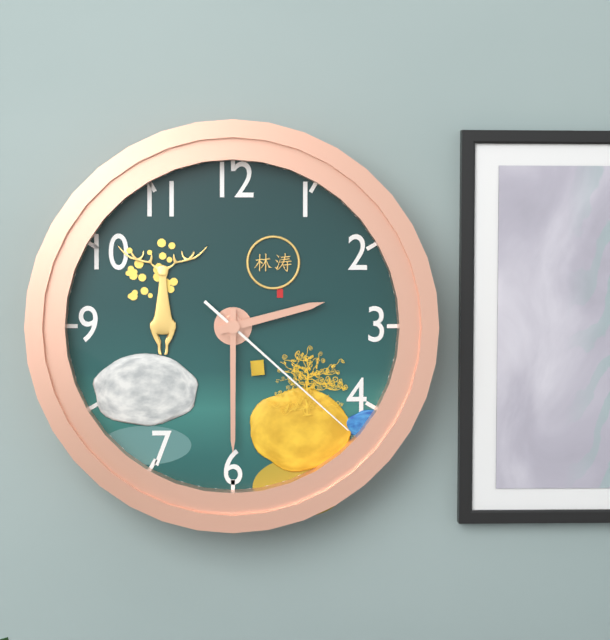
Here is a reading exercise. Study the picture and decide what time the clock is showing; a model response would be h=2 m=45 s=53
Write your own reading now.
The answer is h=2 m=30 s=22
